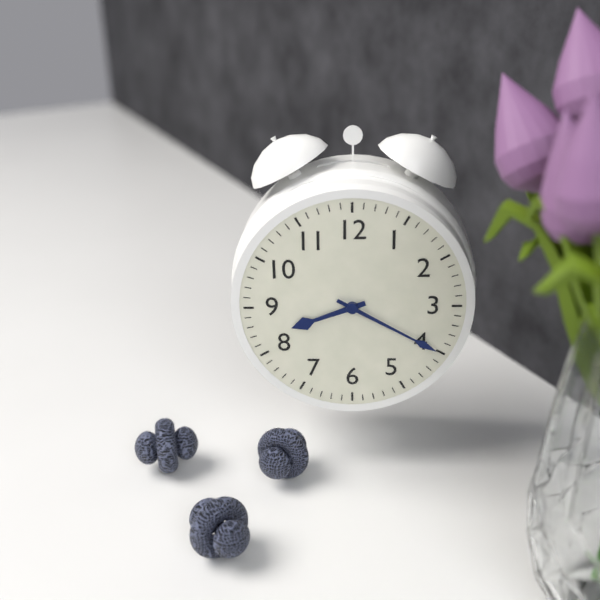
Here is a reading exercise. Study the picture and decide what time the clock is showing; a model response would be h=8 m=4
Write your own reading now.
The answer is h=8 m=20
